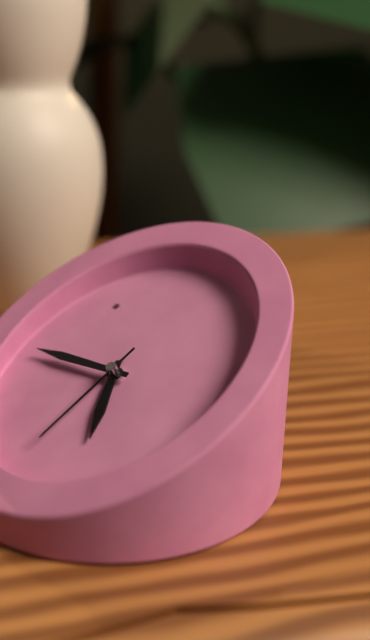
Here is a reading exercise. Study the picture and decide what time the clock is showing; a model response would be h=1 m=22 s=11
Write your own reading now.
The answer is h=7 m=58 s=45
